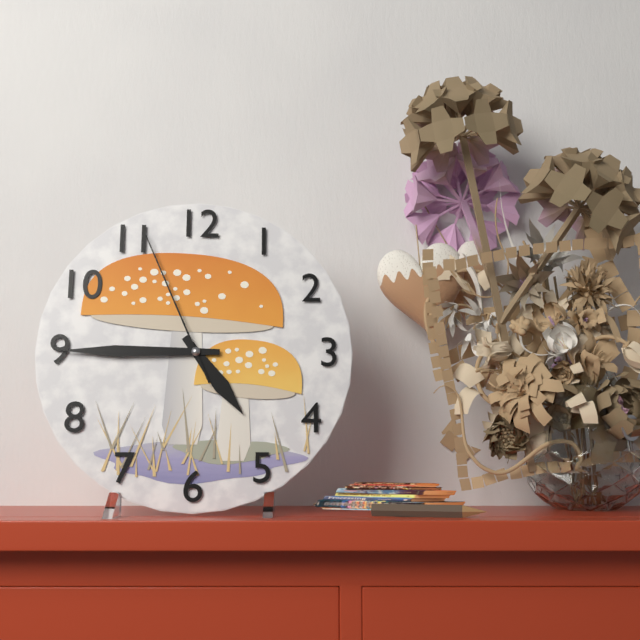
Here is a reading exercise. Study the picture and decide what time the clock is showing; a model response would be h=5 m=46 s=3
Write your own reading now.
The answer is h=4 m=45 s=56
